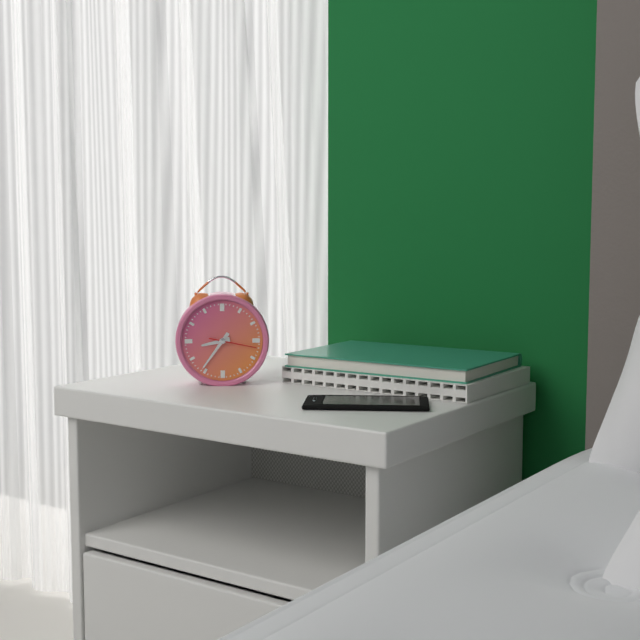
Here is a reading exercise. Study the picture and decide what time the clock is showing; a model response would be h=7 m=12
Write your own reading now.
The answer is h=8 m=36
